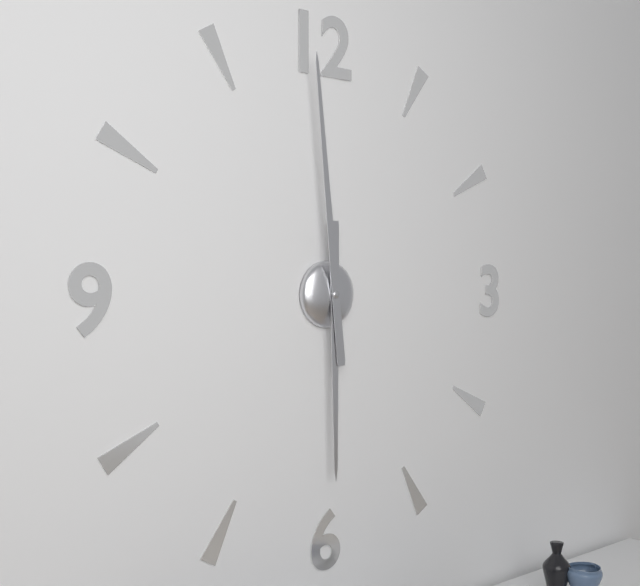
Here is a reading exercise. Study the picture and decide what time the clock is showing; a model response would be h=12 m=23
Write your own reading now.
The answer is h=5 m=59
